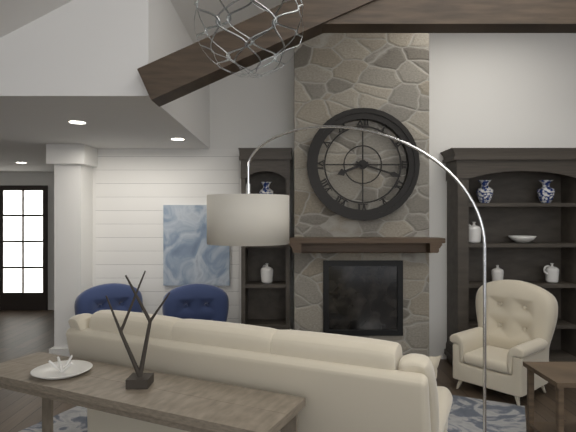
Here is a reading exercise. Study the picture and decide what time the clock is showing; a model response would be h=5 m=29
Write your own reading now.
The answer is h=8 m=18
